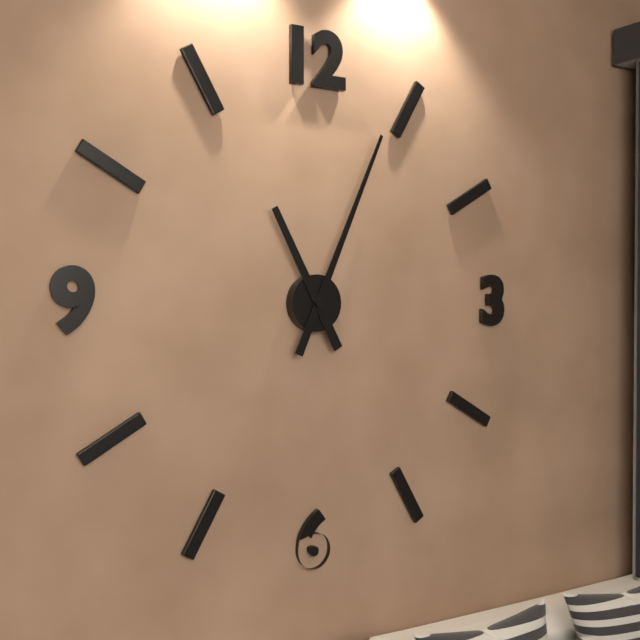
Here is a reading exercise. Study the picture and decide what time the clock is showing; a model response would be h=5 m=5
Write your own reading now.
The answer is h=11 m=4
